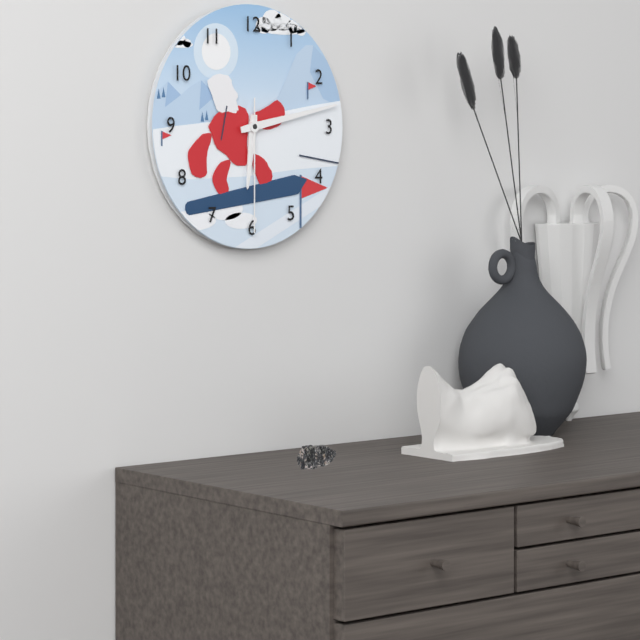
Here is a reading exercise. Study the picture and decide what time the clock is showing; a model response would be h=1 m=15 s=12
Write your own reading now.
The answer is h=6 m=13 s=30
